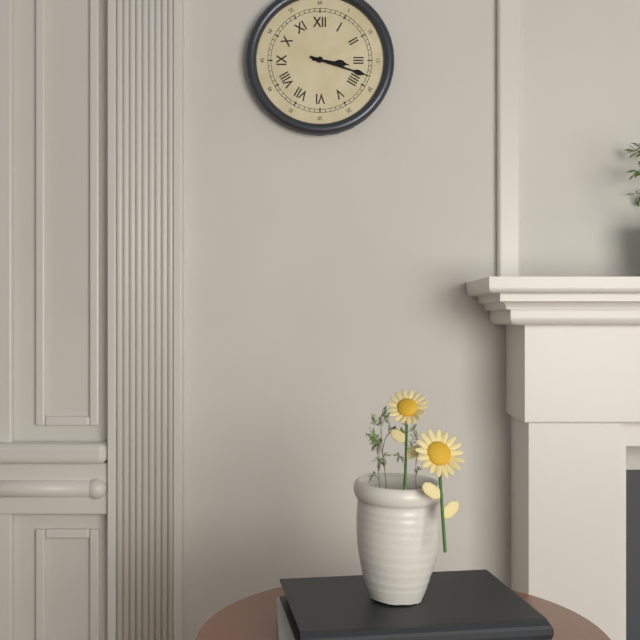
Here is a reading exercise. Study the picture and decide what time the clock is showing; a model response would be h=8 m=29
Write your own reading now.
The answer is h=3 m=18
